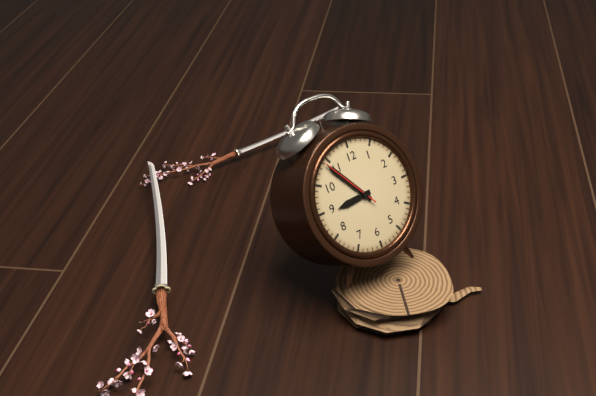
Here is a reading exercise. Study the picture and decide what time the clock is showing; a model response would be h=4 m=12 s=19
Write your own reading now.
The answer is h=8 m=54 s=54
